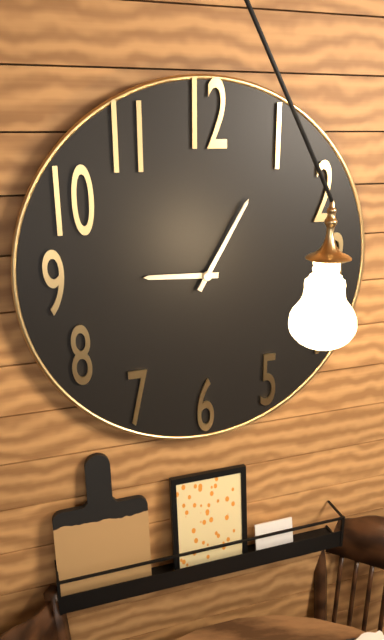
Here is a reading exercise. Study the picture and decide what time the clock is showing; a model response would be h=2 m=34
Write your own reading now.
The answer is h=9 m=5
